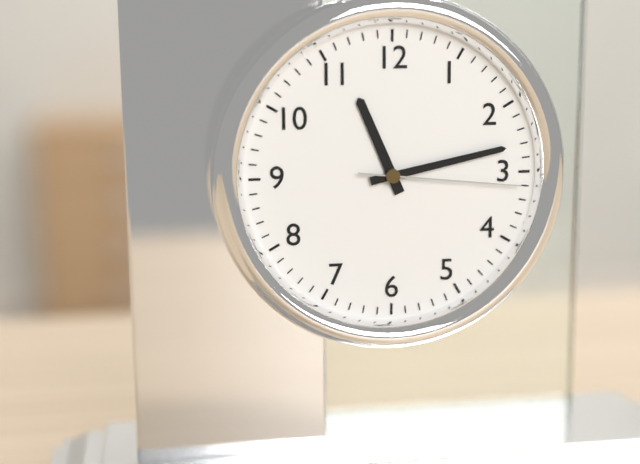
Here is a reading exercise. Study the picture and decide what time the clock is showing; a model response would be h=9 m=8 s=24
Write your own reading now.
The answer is h=11 m=13 s=16
